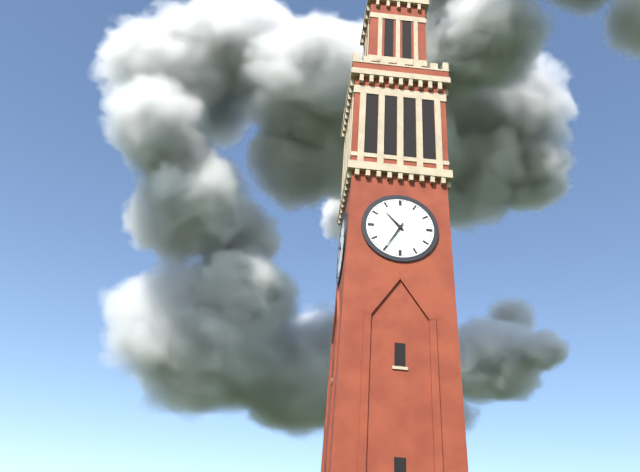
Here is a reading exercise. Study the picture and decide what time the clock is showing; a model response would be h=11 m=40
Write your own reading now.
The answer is h=10 m=35
